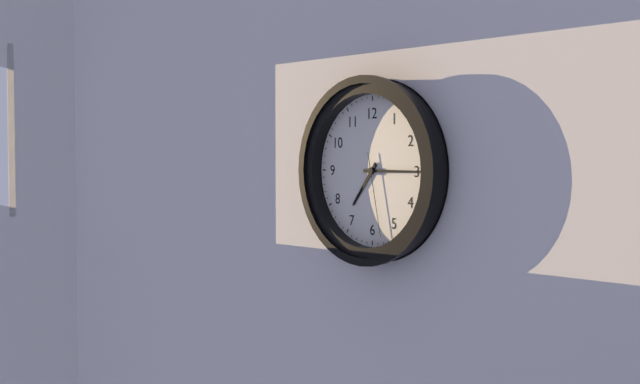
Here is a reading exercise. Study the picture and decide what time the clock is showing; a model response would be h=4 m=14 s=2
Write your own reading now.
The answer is h=7 m=15 s=28
